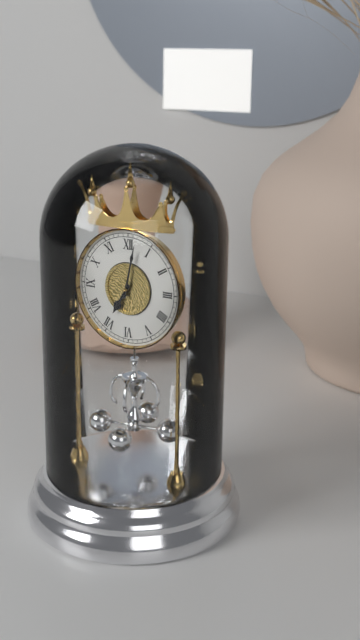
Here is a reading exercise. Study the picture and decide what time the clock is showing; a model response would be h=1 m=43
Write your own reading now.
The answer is h=7 m=2
